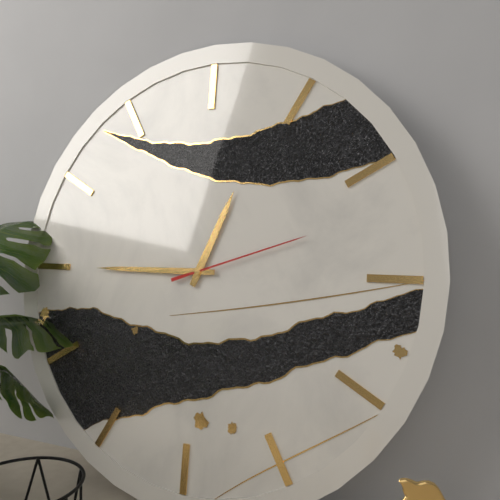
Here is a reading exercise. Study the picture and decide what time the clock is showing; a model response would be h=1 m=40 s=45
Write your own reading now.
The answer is h=12 m=45 s=12
